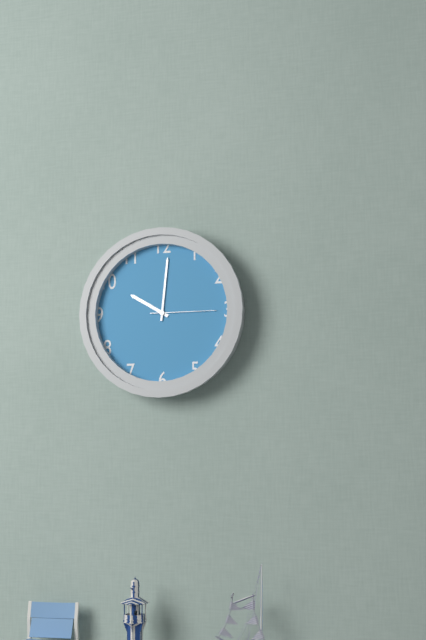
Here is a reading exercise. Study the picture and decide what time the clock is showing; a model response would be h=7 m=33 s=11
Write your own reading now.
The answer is h=10 m=1 s=15
